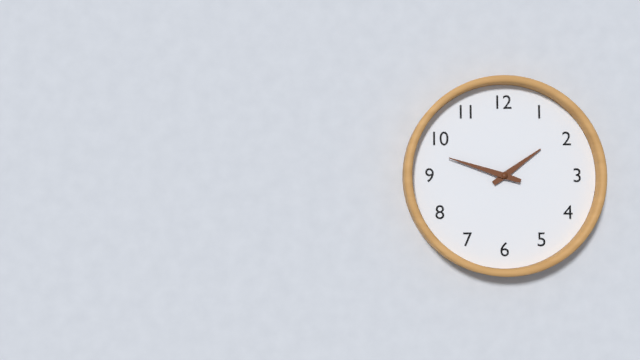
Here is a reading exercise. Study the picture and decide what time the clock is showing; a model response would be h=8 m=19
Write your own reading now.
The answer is h=1 m=48
